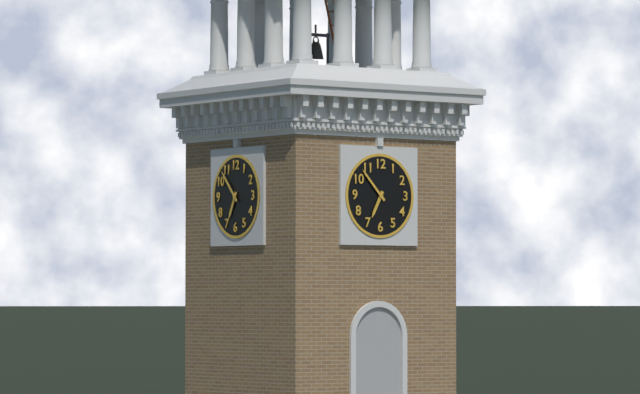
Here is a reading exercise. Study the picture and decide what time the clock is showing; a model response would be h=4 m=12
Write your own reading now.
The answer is h=6 m=53
